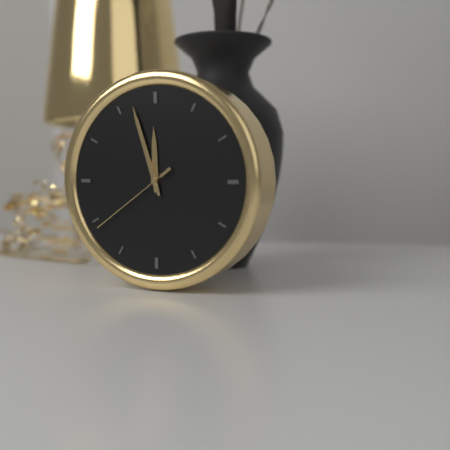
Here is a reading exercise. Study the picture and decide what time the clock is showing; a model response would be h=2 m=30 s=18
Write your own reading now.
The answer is h=11 m=57 s=39
